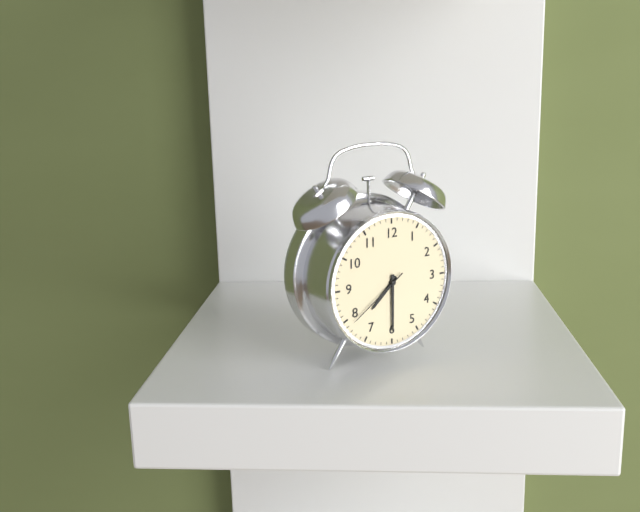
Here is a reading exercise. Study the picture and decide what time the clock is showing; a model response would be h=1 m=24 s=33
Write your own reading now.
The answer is h=7 m=30 s=39
